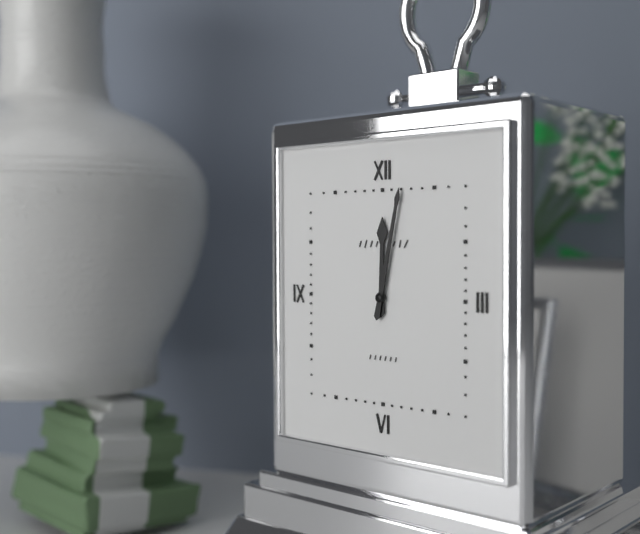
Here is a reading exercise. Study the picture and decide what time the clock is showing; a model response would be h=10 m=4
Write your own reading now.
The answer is h=12 m=2
